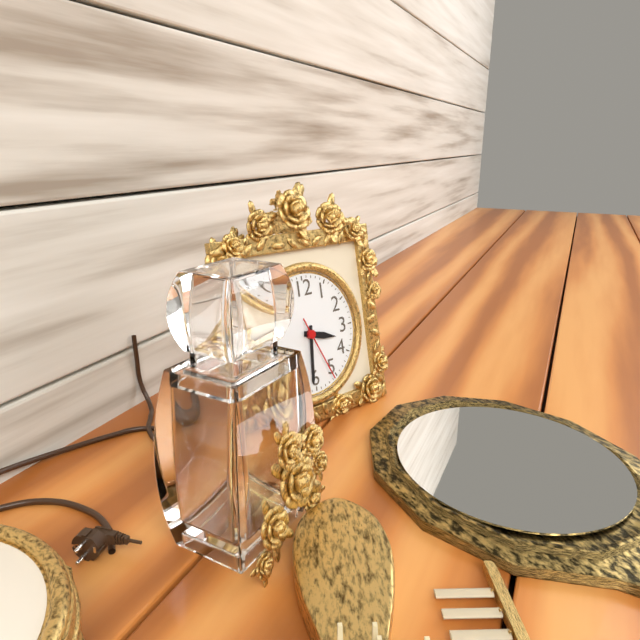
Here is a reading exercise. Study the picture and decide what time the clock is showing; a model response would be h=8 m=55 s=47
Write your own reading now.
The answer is h=3 m=31 s=26
